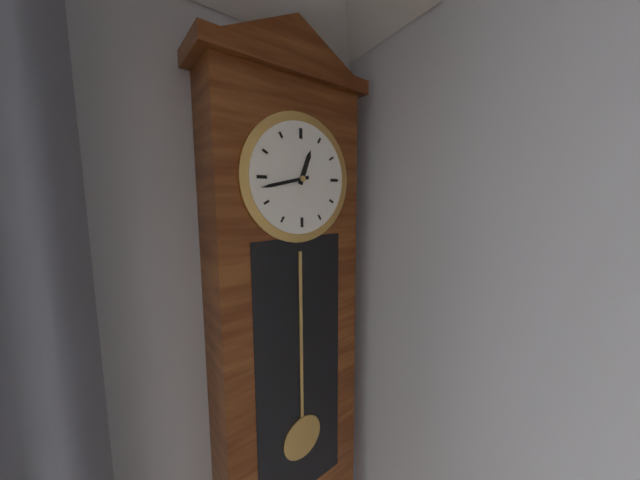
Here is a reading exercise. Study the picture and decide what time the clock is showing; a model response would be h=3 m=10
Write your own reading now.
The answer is h=12 m=43
